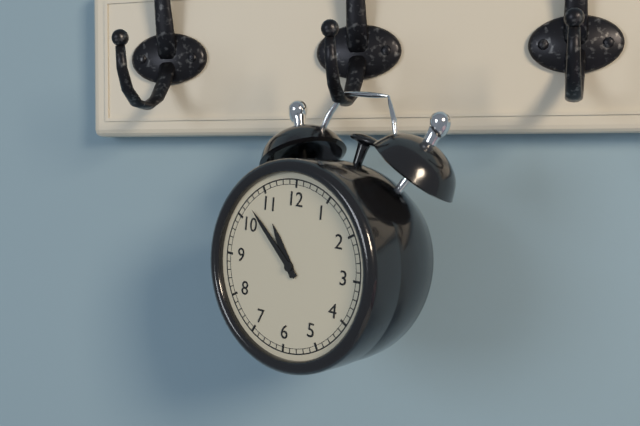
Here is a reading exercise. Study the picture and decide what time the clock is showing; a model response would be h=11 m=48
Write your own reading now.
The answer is h=10 m=52
